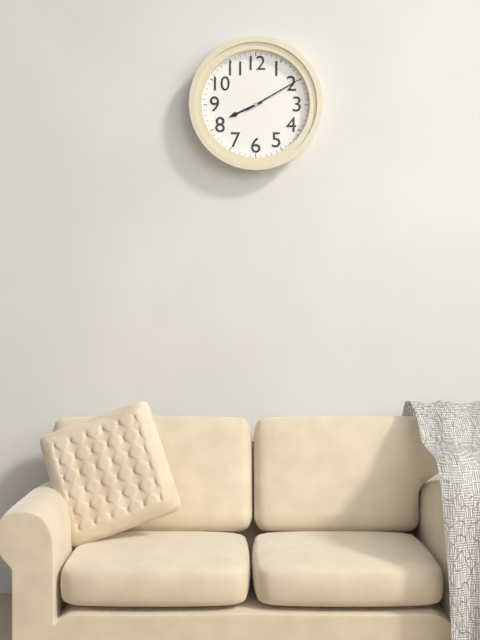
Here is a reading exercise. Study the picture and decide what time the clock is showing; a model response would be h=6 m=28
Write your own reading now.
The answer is h=8 m=10
